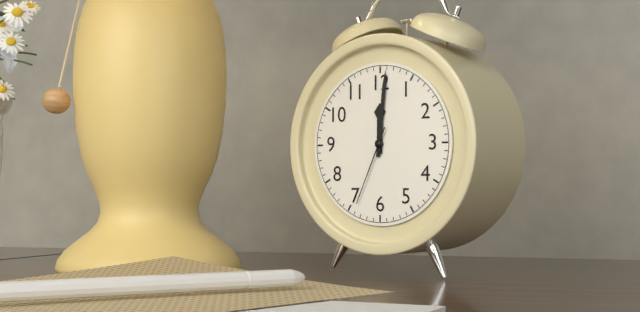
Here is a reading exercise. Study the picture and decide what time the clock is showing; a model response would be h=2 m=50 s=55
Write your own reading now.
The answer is h=12 m=1 s=34
